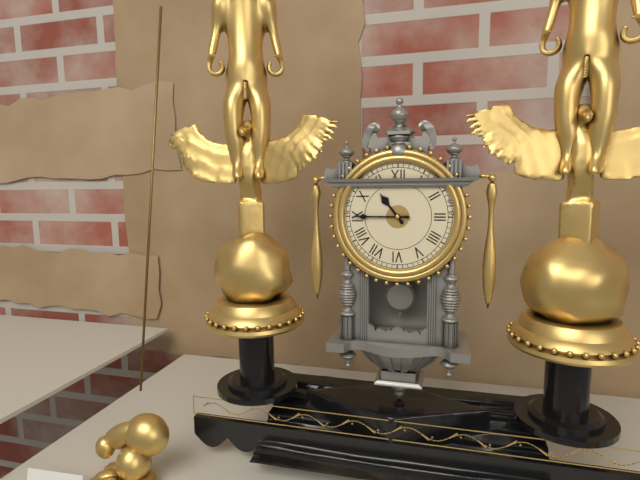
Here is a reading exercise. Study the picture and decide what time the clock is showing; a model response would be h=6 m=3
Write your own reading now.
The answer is h=10 m=45
